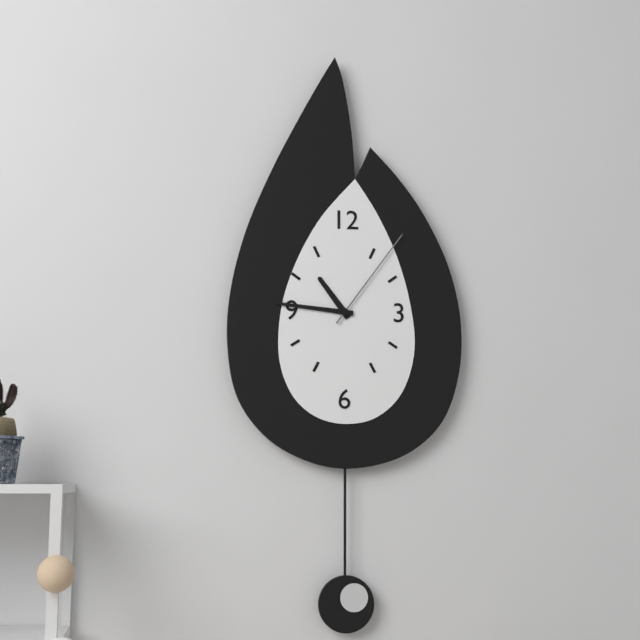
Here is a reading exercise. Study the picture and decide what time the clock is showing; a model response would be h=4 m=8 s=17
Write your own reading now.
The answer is h=10 m=46 s=6
